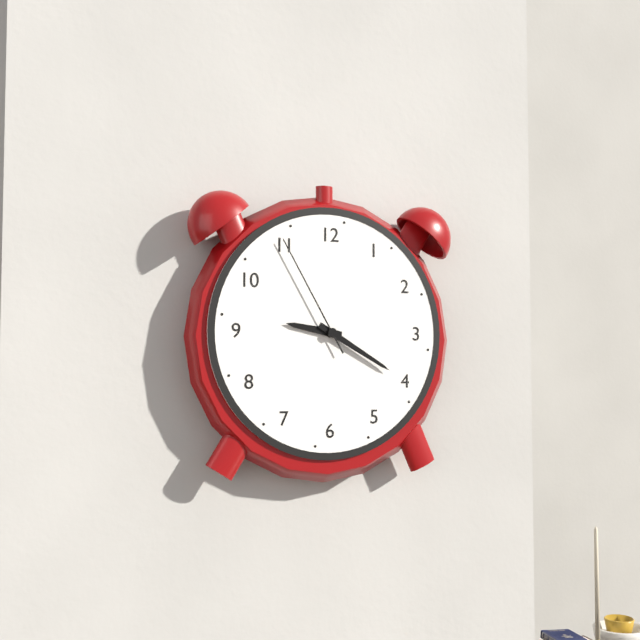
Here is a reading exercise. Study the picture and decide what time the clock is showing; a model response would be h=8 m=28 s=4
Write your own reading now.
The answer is h=9 m=20 s=55
